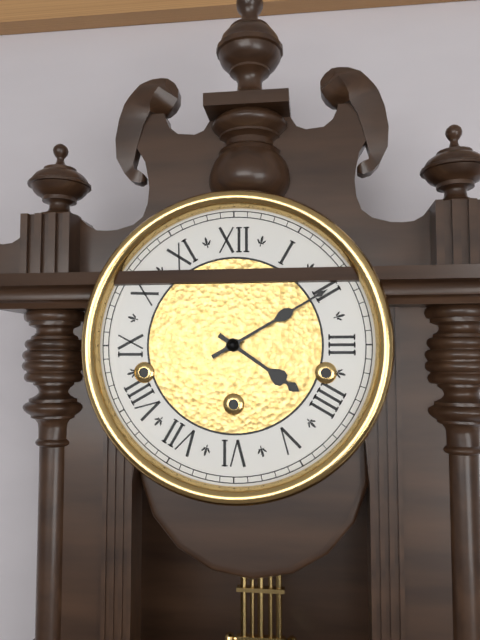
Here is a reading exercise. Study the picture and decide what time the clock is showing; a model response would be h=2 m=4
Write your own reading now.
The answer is h=4 m=10
